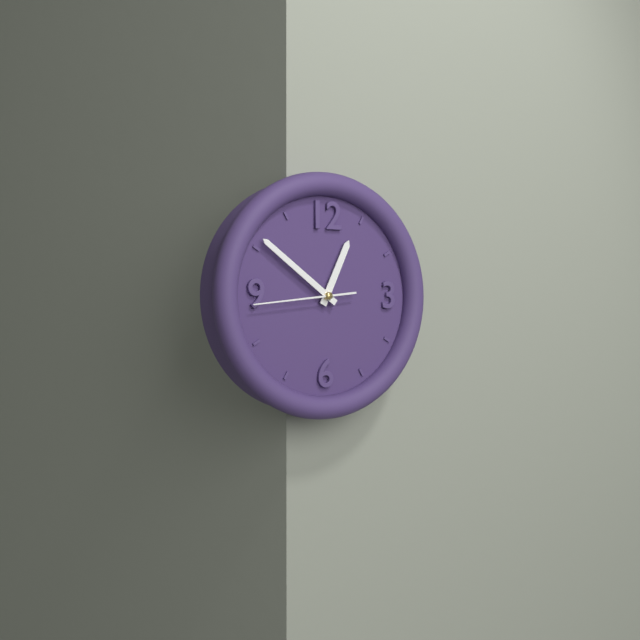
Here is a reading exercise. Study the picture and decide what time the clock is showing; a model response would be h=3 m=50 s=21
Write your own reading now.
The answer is h=12 m=51 s=44
